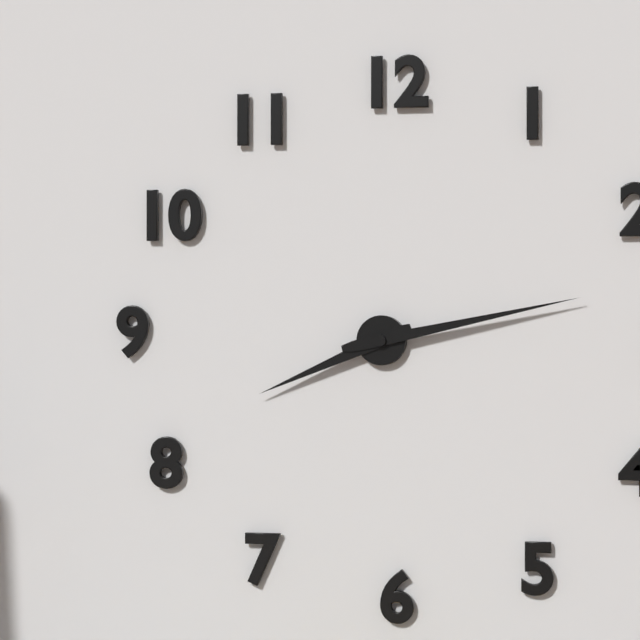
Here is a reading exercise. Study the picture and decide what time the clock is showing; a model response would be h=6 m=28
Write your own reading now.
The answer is h=8 m=13
